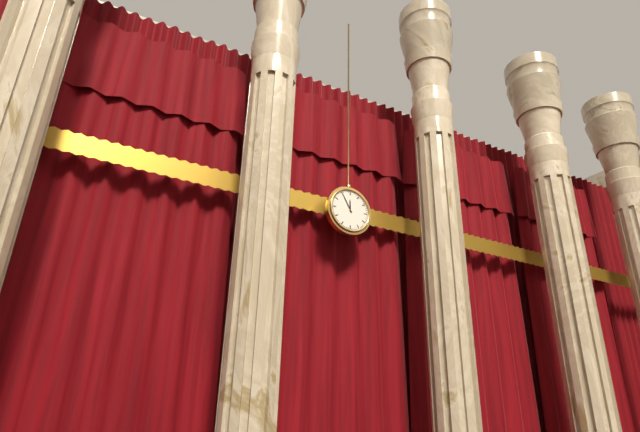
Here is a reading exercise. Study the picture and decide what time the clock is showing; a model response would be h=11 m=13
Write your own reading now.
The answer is h=11 m=55
